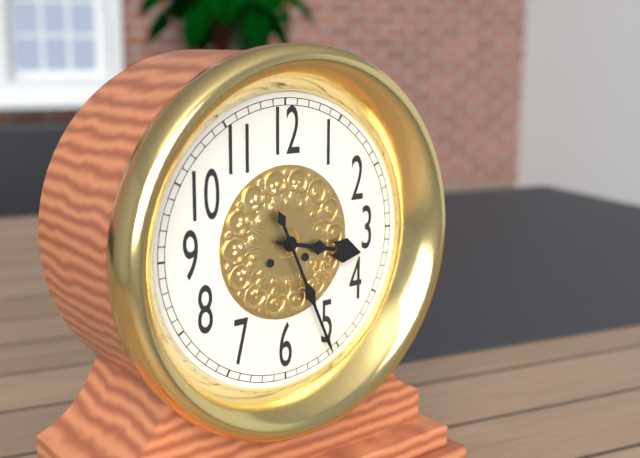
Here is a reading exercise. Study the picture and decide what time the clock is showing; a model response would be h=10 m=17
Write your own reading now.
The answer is h=3 m=26
